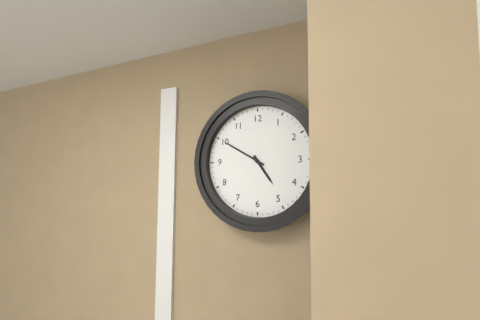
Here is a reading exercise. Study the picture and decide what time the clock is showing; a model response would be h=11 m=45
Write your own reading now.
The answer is h=4 m=50
